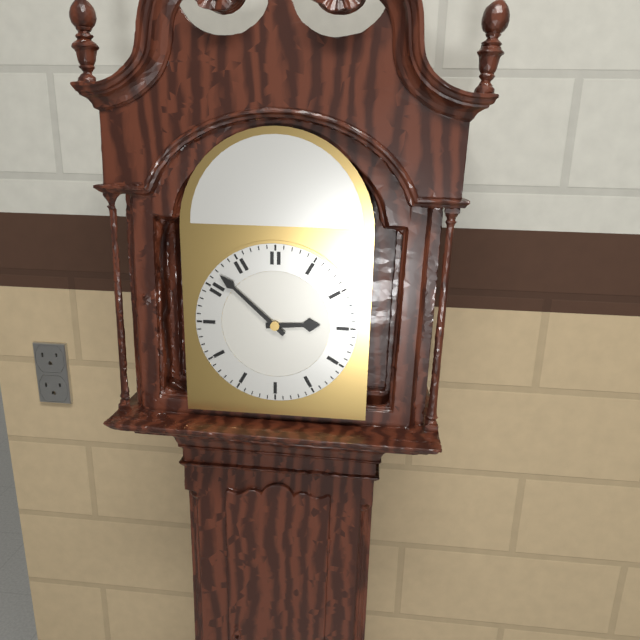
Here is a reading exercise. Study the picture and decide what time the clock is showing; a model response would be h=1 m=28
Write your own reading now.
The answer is h=2 m=52
